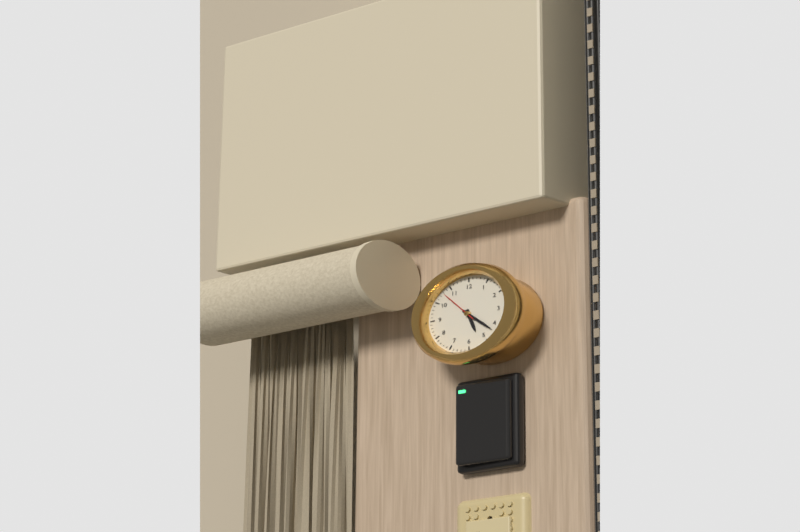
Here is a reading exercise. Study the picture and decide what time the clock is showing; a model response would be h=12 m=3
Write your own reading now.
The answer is h=5 m=22
